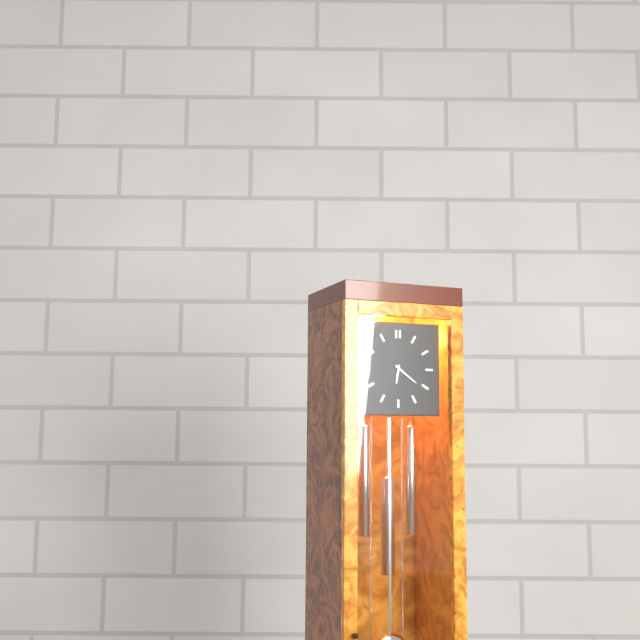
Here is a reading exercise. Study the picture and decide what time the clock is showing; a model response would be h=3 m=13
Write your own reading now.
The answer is h=6 m=21
